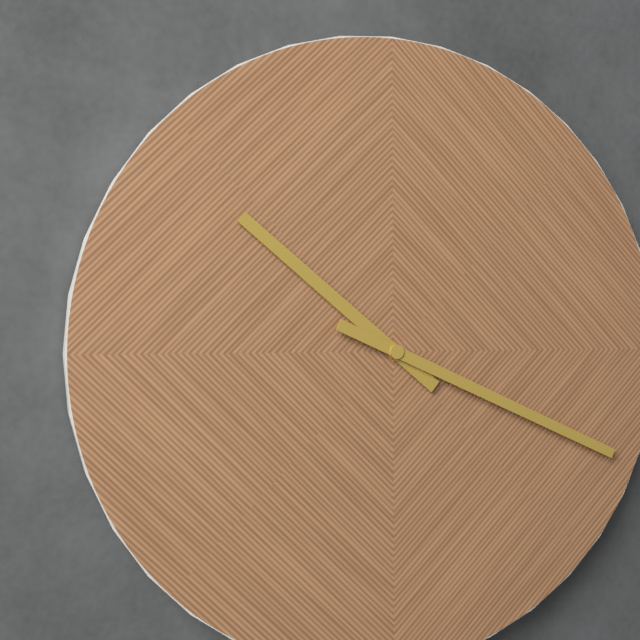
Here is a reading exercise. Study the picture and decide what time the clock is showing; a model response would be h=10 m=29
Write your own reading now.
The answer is h=10 m=19
